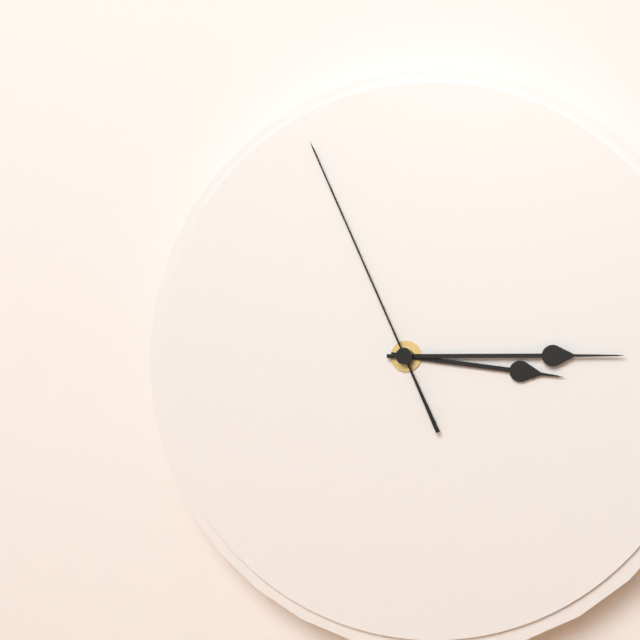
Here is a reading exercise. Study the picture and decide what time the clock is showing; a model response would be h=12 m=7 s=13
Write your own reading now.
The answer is h=3 m=15 s=56
